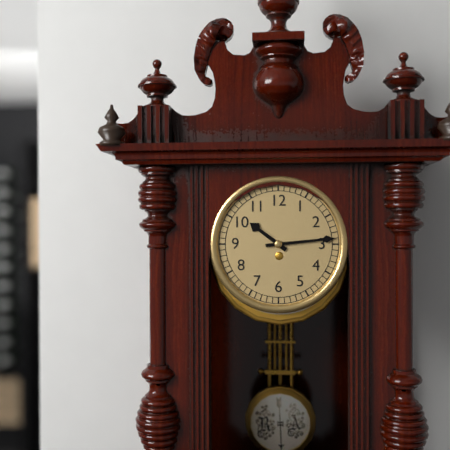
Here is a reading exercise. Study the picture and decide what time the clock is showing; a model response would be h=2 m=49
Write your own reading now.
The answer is h=10 m=14
